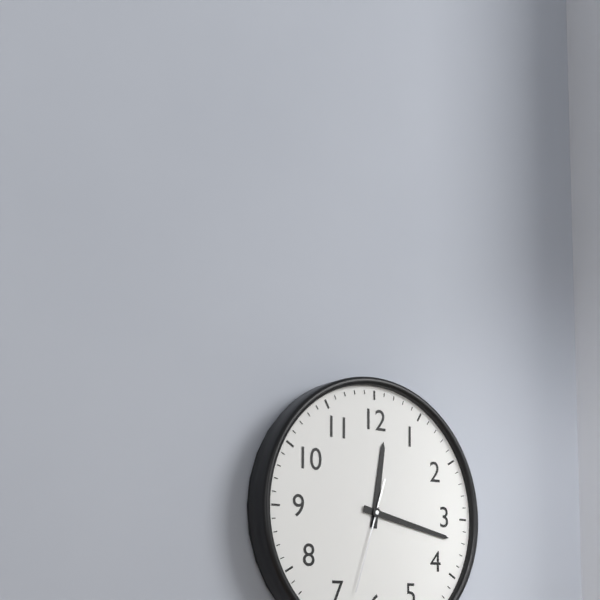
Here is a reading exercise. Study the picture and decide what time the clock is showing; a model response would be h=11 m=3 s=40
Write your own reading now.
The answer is h=12 m=17 s=33
